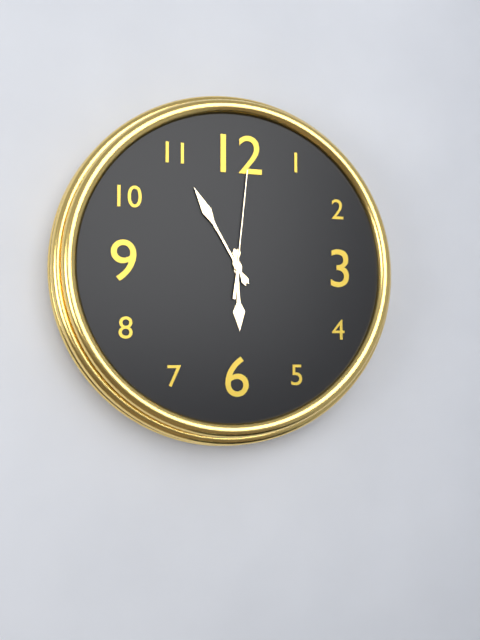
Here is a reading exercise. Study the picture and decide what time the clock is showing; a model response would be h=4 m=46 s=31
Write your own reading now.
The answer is h=5 m=55 s=1
